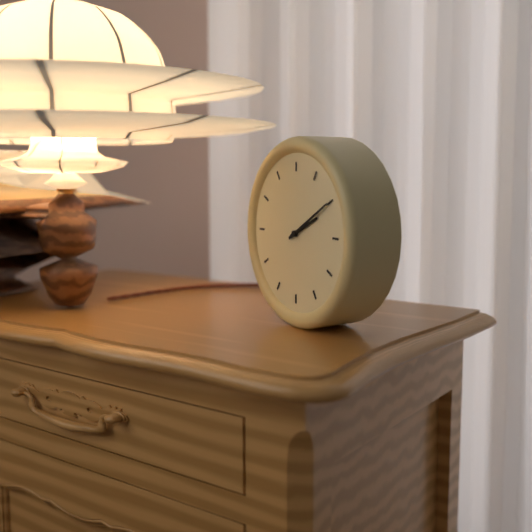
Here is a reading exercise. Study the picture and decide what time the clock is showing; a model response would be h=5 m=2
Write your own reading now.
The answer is h=2 m=10
